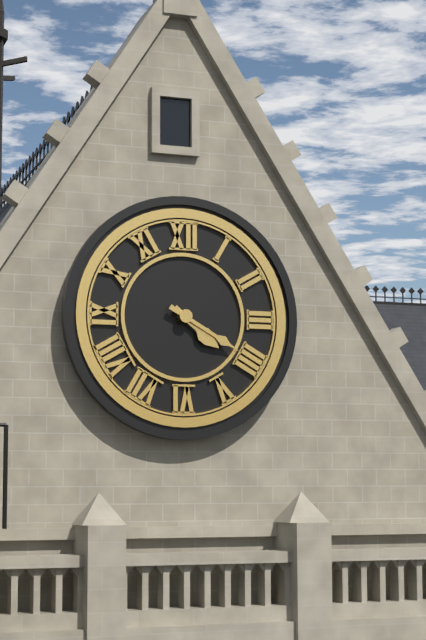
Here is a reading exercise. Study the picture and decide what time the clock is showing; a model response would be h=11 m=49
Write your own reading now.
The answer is h=4 m=20
